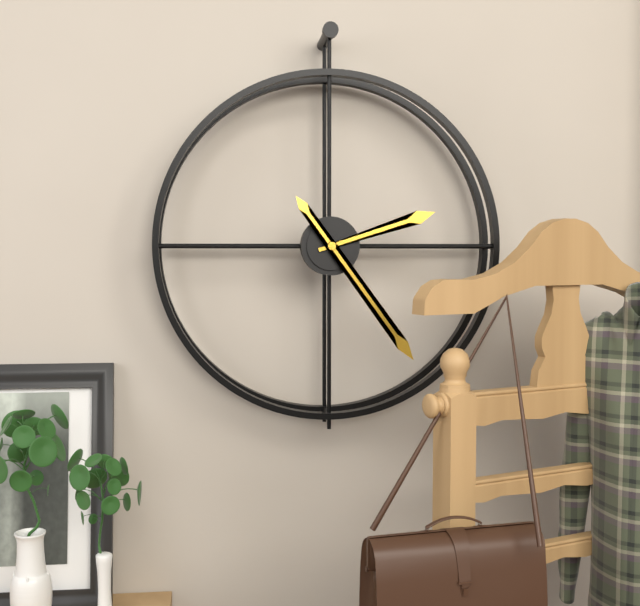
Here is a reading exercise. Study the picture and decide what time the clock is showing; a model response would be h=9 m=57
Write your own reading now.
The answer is h=2 m=24
